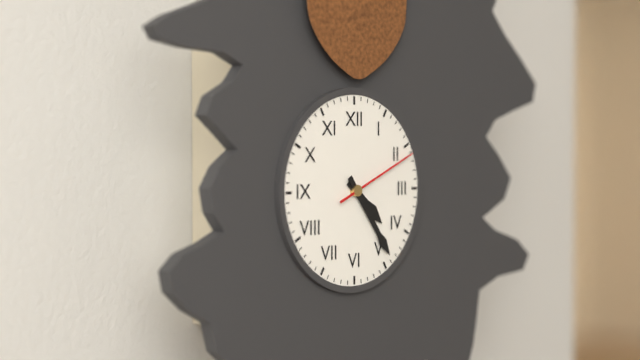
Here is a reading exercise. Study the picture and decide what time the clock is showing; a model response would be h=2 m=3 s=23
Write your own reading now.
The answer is h=4 m=24 s=11
